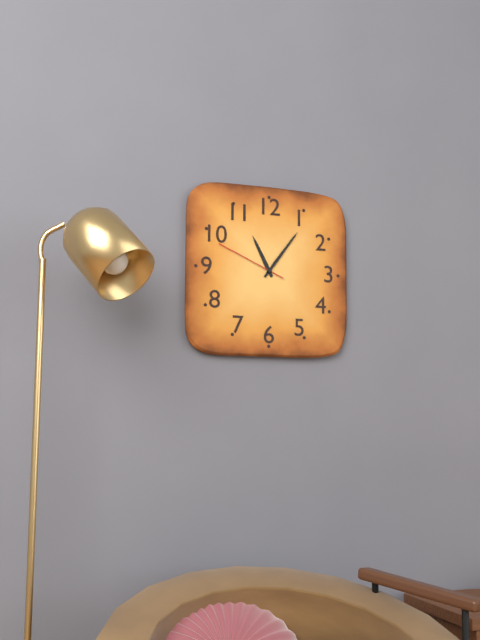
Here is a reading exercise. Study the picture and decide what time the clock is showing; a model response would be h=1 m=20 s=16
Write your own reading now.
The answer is h=11 m=6 s=49
